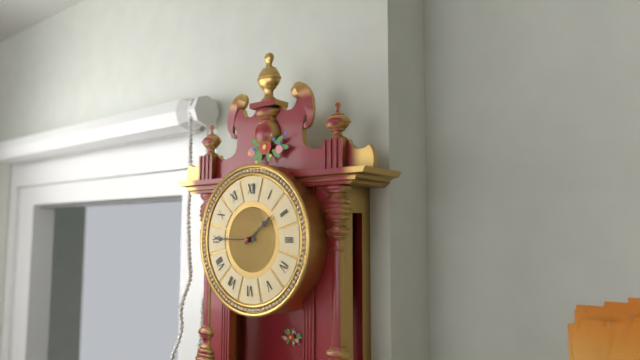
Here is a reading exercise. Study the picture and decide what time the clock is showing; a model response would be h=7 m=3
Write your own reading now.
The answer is h=1 m=45
